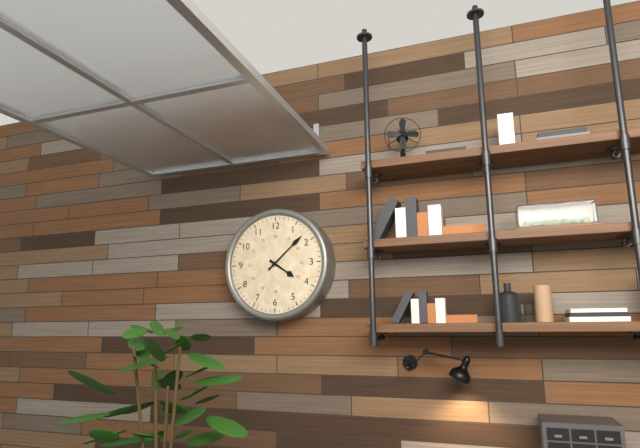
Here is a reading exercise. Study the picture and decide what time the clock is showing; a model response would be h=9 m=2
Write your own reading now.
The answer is h=4 m=8
